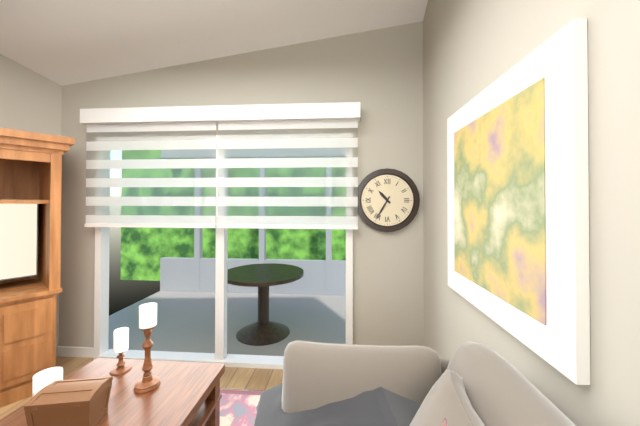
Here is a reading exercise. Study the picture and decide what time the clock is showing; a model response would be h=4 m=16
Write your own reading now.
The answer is h=10 m=35
